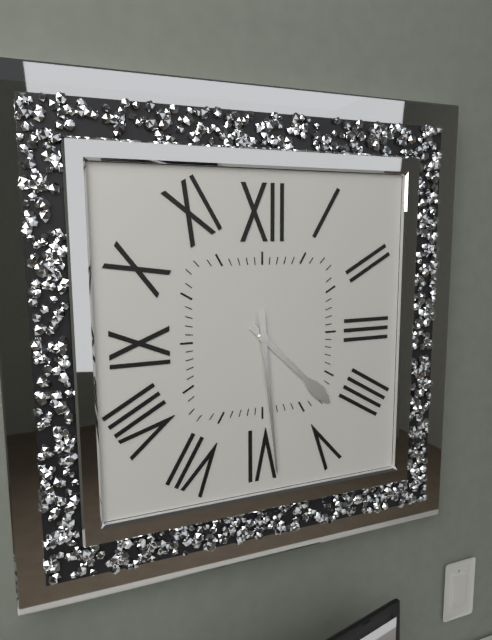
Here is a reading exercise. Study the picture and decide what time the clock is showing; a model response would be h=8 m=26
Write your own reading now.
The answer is h=4 m=29
